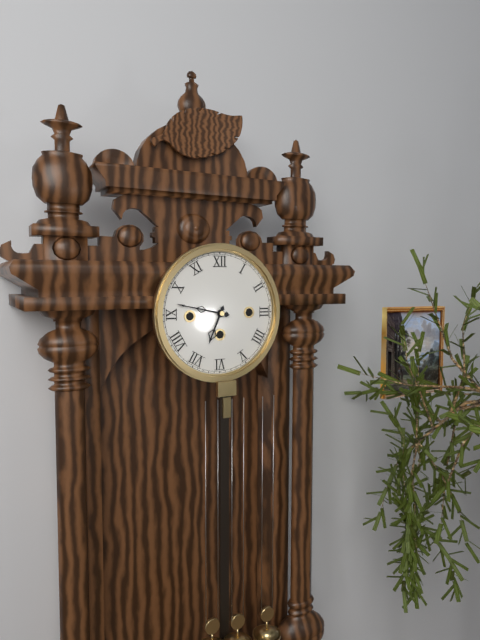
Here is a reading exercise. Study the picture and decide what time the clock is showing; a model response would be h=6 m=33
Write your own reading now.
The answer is h=6 m=47
